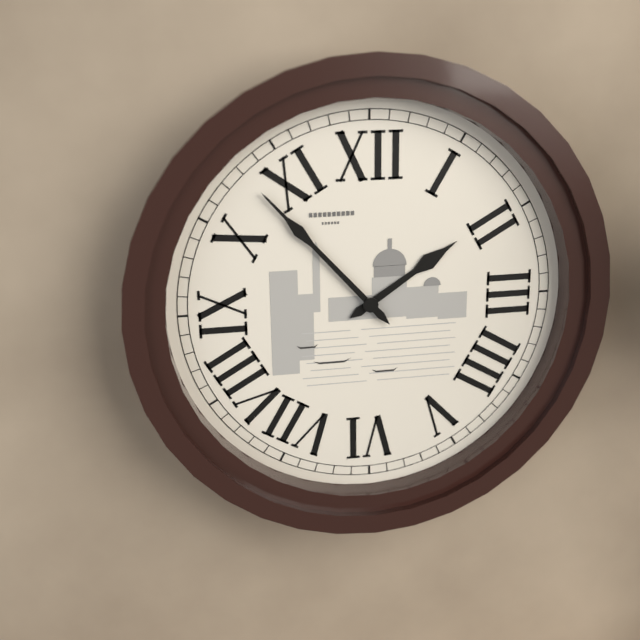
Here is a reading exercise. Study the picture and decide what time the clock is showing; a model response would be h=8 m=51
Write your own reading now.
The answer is h=1 m=53
